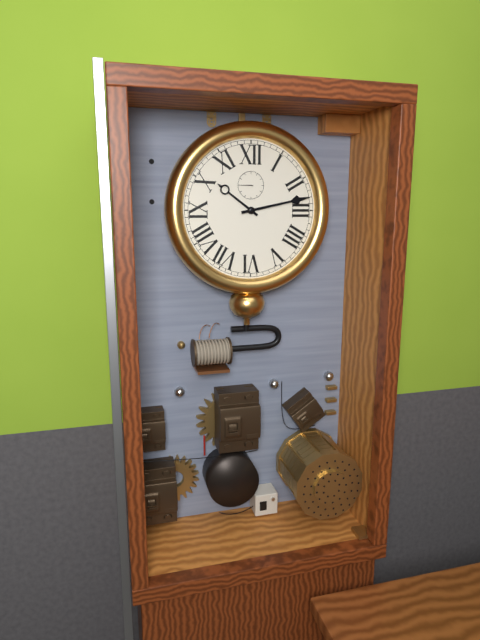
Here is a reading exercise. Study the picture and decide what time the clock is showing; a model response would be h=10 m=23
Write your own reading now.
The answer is h=10 m=13
